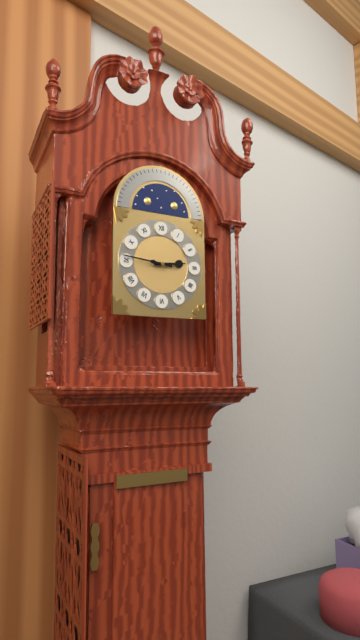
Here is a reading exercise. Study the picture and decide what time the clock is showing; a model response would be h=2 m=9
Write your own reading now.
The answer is h=2 m=46
